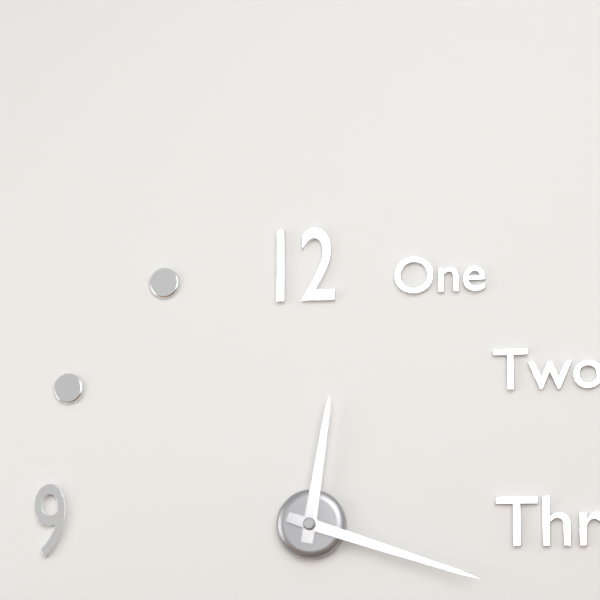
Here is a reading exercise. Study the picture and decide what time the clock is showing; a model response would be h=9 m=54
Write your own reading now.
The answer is h=12 m=18
